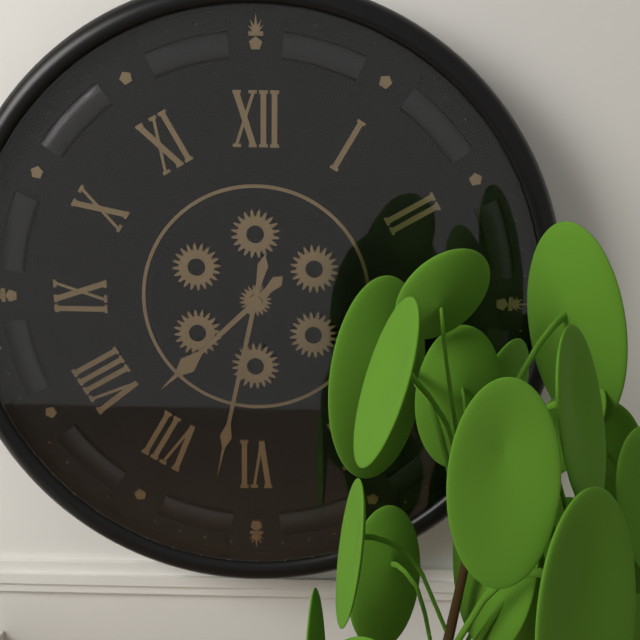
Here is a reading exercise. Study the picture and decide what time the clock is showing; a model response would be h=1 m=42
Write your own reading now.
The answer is h=7 m=32
